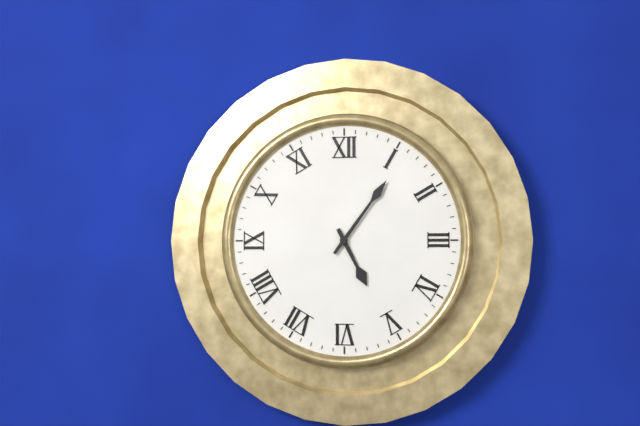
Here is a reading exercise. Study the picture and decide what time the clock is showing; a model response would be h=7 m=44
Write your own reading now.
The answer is h=5 m=6
